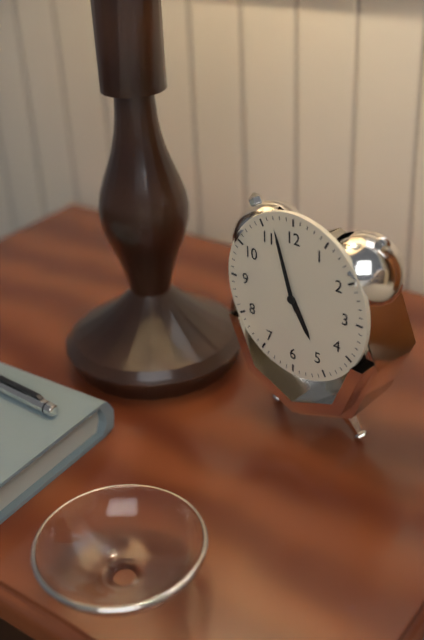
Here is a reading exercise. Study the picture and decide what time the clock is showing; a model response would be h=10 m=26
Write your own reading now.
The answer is h=4 m=57
